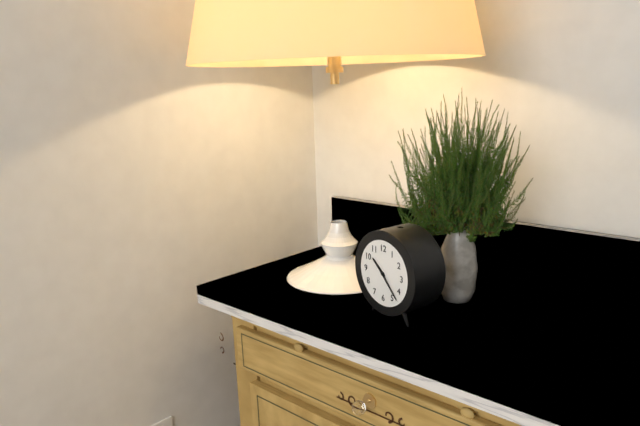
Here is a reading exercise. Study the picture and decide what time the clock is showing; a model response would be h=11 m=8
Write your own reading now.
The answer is h=10 m=23
